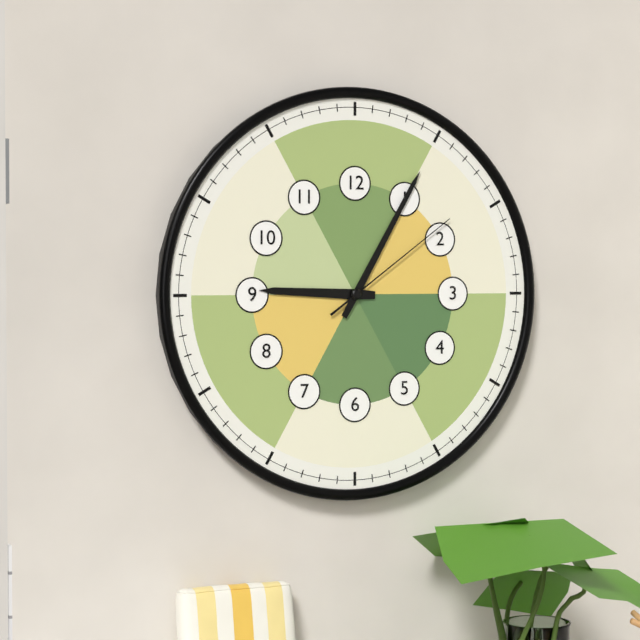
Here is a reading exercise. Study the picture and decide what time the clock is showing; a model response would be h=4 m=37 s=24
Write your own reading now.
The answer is h=9 m=5 s=9
